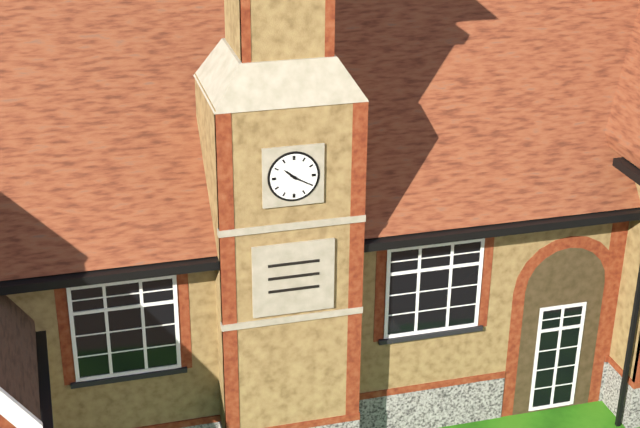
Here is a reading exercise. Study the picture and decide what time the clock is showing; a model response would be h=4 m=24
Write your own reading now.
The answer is h=10 m=20
